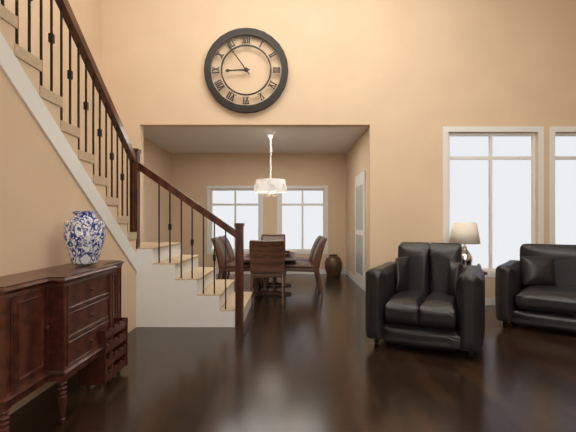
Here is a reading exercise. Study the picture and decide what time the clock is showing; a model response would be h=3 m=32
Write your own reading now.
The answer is h=8 m=54
